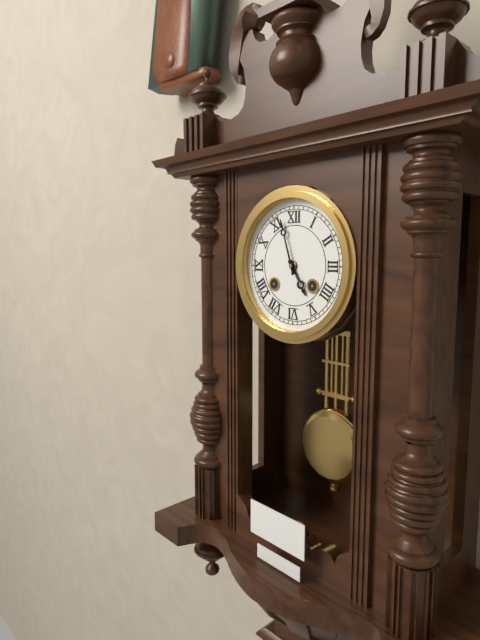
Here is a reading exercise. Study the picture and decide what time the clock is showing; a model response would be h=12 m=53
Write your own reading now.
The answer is h=4 m=57
